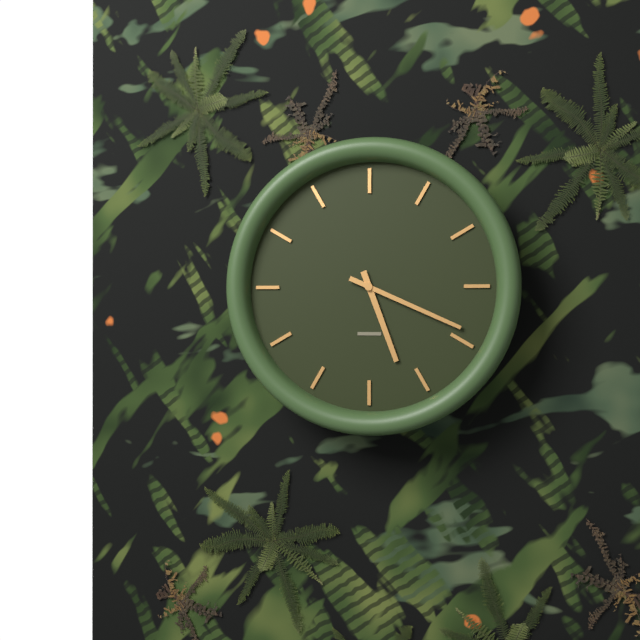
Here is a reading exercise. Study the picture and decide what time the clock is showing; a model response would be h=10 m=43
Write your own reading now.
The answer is h=5 m=19
